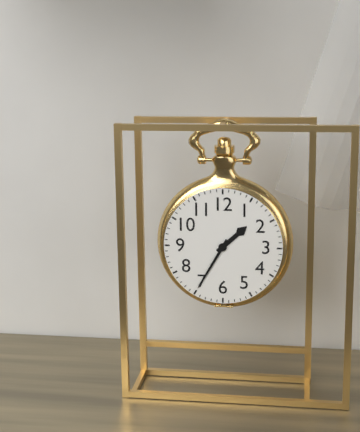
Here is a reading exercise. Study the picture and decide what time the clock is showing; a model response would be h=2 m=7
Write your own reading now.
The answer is h=1 m=35
